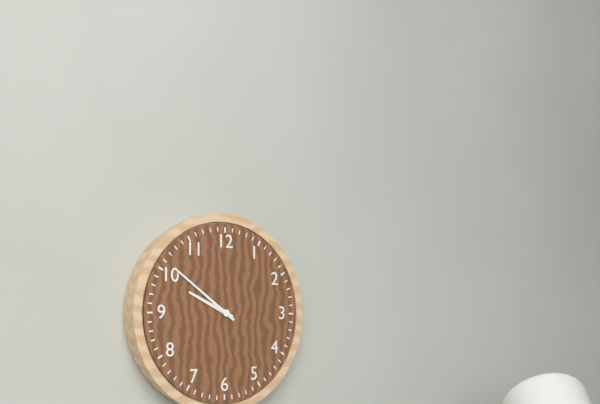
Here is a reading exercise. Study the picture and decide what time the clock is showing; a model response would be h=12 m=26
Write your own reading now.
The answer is h=9 m=51
